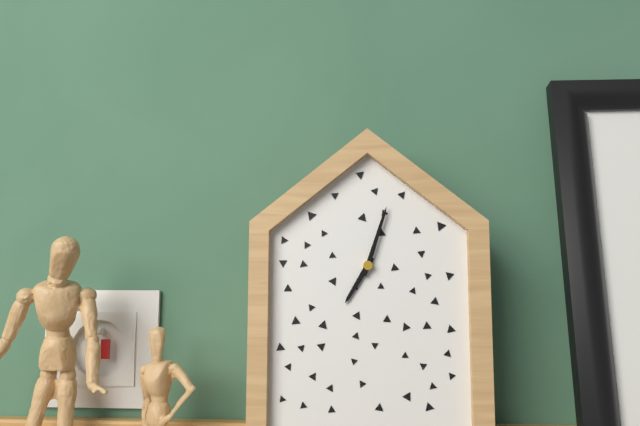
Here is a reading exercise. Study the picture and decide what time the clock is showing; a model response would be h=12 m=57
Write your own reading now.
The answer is h=7 m=3
